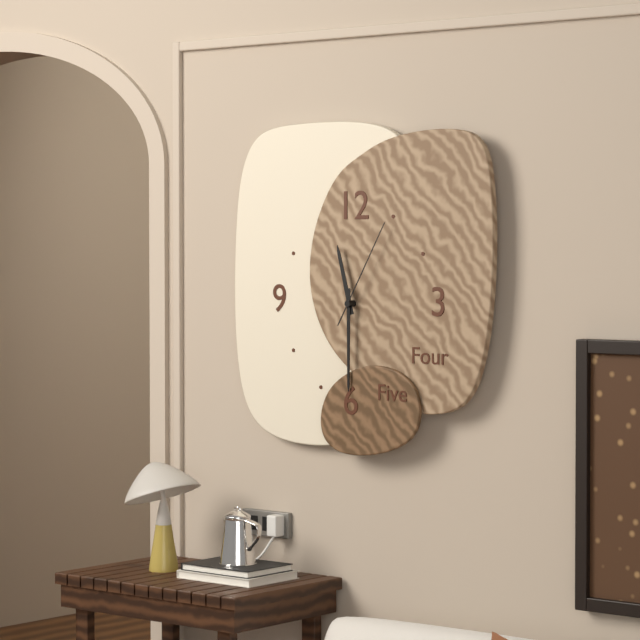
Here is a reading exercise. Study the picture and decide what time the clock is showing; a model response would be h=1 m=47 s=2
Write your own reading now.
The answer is h=11 m=30 s=5
